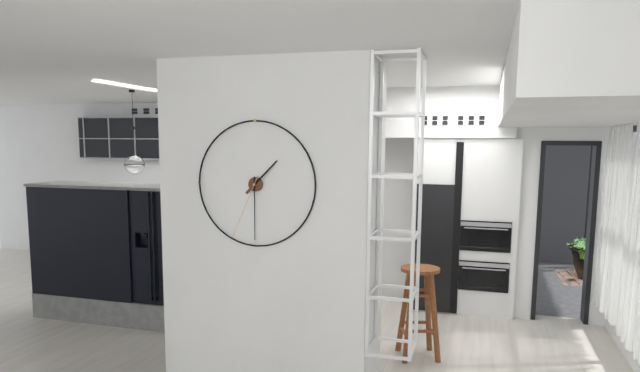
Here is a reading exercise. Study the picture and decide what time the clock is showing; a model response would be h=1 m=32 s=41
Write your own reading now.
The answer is h=1 m=30 s=34
